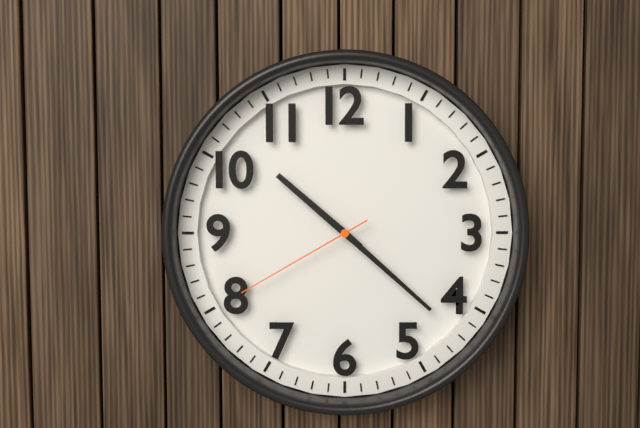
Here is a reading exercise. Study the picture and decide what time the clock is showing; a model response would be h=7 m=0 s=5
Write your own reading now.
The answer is h=10 m=22 s=40
